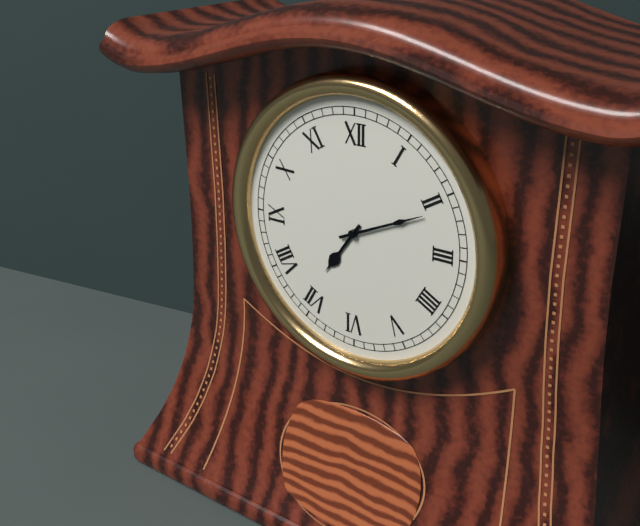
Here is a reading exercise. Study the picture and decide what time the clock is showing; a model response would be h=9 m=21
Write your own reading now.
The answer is h=7 m=11
